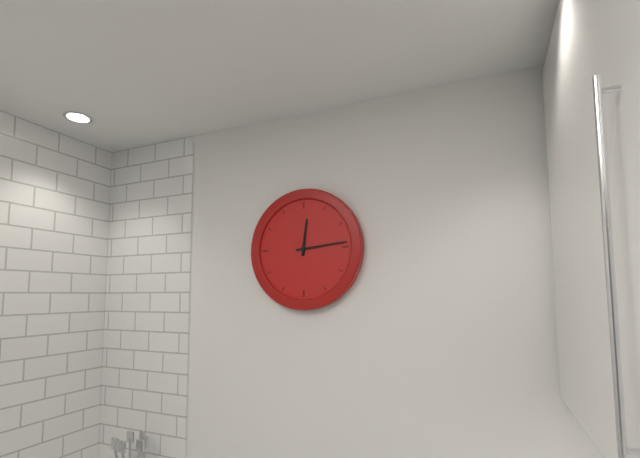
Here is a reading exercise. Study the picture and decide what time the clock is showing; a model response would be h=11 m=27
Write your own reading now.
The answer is h=12 m=14
